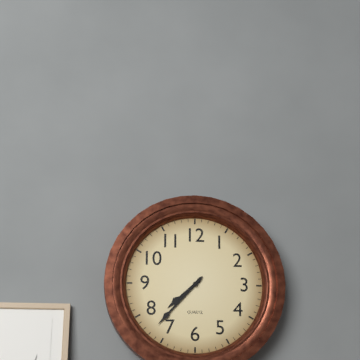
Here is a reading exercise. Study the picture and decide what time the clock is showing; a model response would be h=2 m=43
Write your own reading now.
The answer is h=7 m=37
